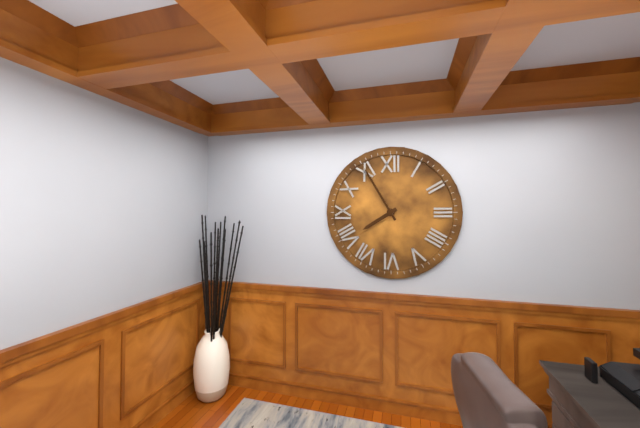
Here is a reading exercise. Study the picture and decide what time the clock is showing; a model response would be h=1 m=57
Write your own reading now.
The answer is h=7 m=55
